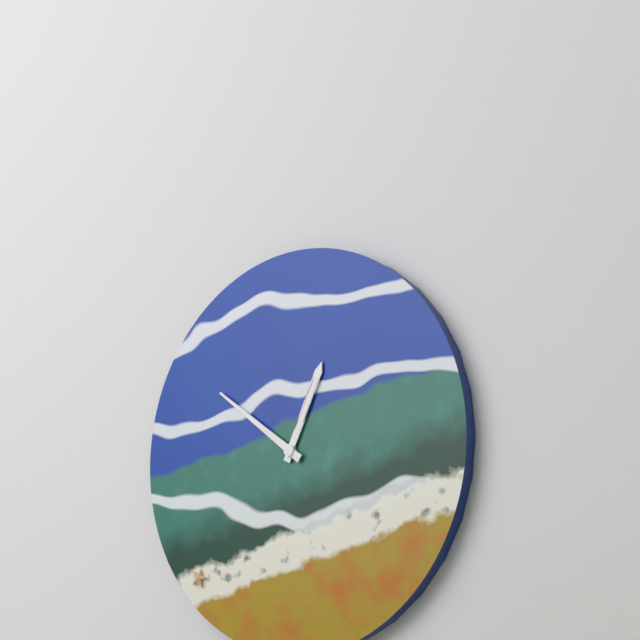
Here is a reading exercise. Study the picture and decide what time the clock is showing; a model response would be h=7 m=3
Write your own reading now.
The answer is h=12 m=51
